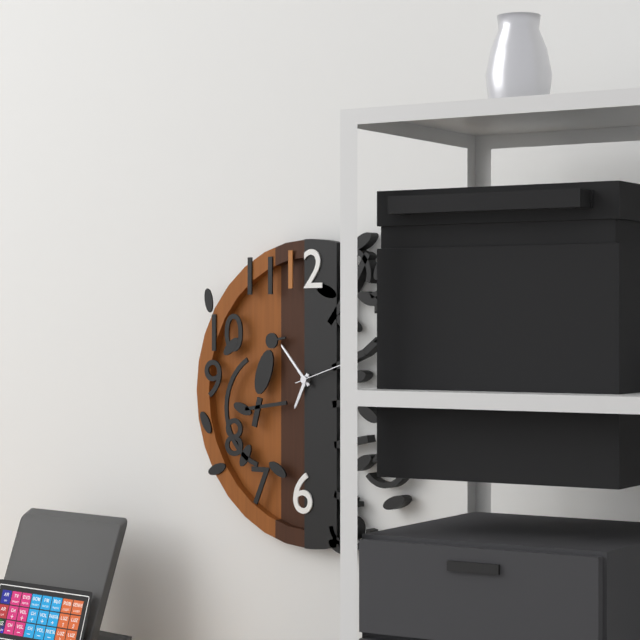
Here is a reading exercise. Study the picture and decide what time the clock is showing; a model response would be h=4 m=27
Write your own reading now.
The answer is h=6 m=53
